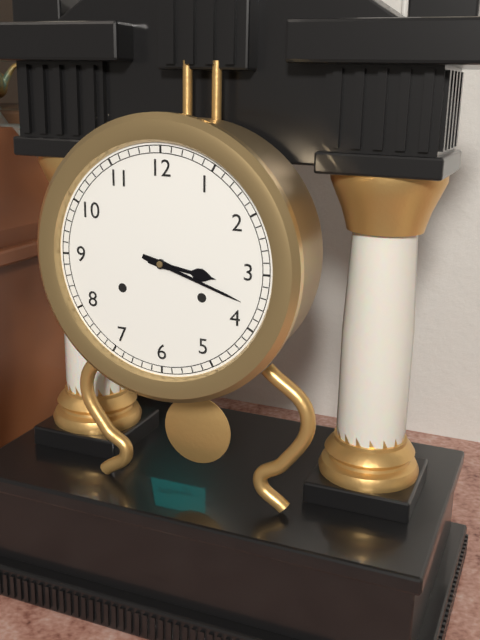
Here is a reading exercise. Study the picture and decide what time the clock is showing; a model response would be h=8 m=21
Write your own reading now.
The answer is h=3 m=18
